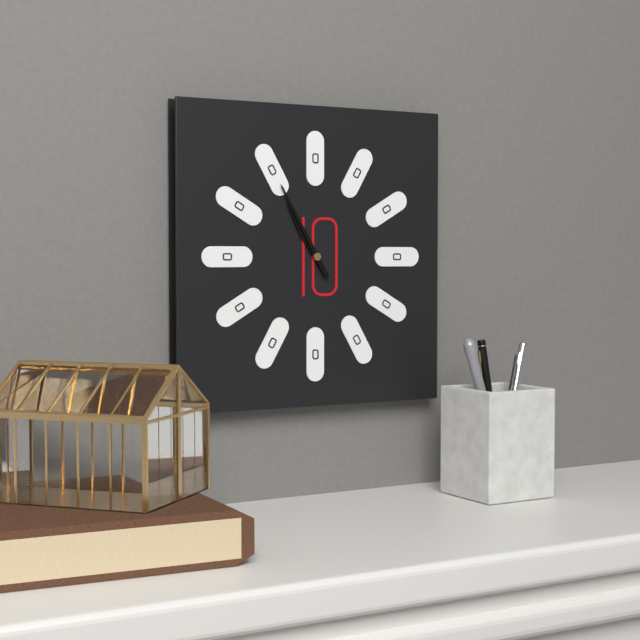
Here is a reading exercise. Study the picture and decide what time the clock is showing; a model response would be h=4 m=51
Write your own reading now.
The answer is h=10 m=55
